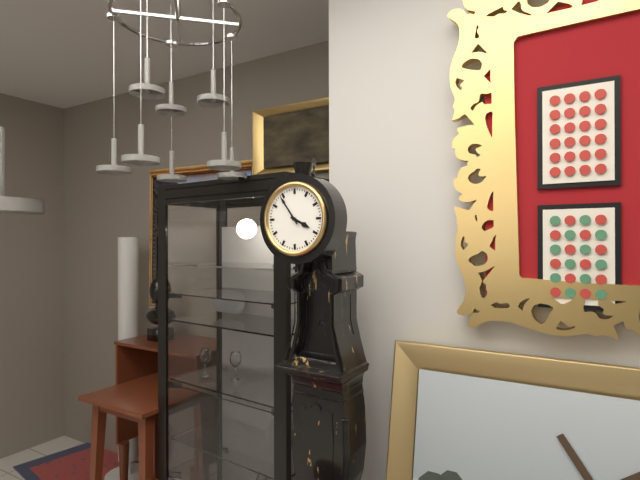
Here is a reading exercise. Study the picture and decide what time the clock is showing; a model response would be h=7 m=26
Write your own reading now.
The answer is h=3 m=54
